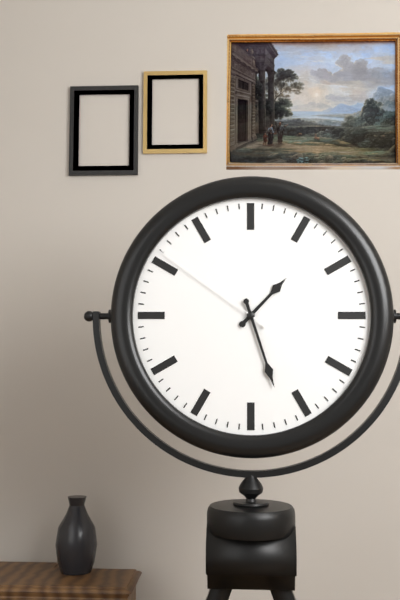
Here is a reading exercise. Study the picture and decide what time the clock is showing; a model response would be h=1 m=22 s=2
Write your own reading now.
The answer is h=1 m=27 s=51
